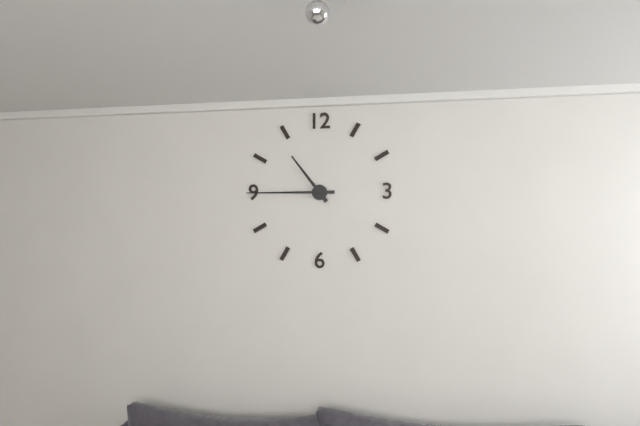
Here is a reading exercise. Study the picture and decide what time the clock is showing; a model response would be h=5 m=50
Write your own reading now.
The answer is h=10 m=45
